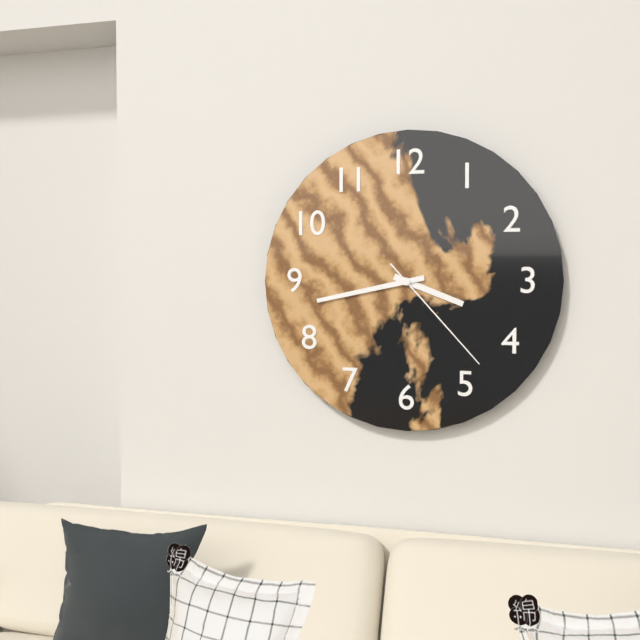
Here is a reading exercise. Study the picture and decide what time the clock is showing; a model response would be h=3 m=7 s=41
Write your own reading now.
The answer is h=3 m=43 s=23
